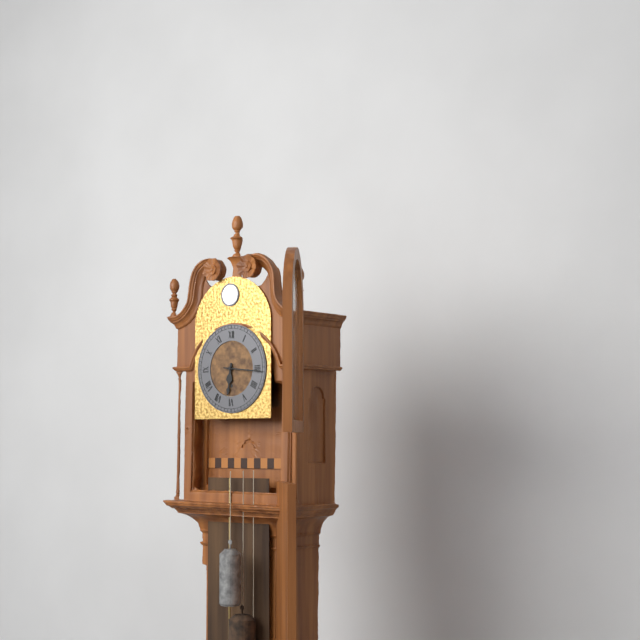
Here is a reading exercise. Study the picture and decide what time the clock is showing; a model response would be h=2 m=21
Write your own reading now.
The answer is h=6 m=16
